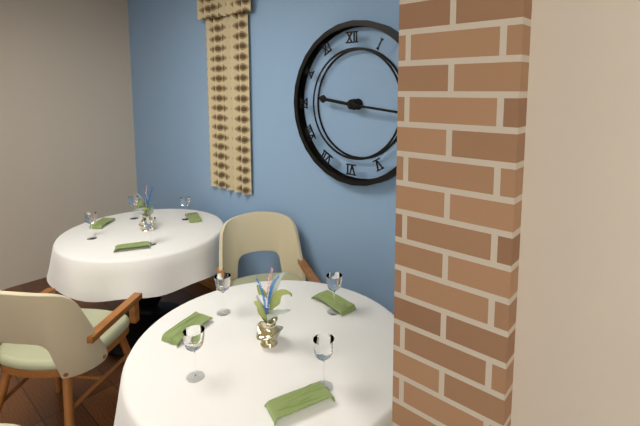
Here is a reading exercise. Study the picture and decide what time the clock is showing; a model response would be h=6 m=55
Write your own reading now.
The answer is h=9 m=16
